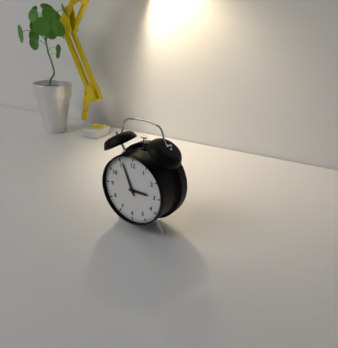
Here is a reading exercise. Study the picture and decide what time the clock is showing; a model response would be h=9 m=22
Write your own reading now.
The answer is h=2 m=56
